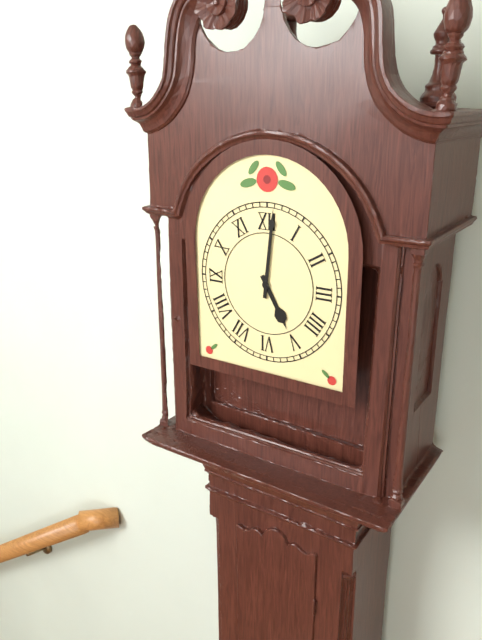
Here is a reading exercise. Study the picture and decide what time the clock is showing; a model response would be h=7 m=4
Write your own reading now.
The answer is h=5 m=1
